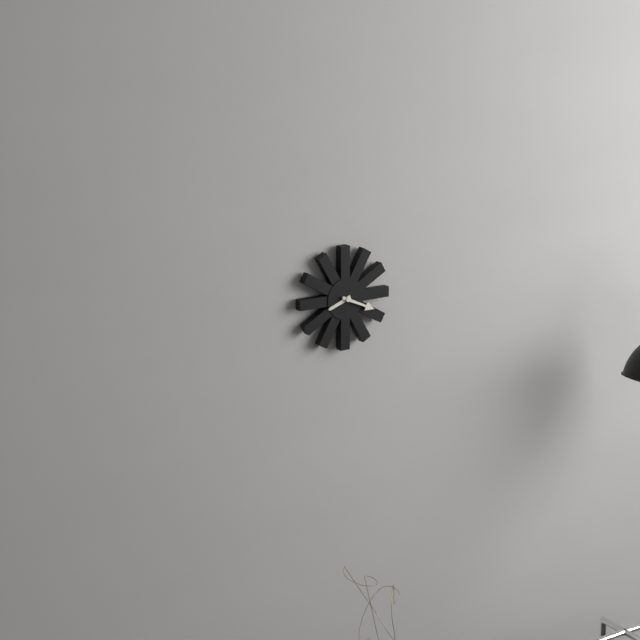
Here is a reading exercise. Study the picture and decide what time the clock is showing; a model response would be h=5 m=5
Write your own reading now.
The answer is h=8 m=19
